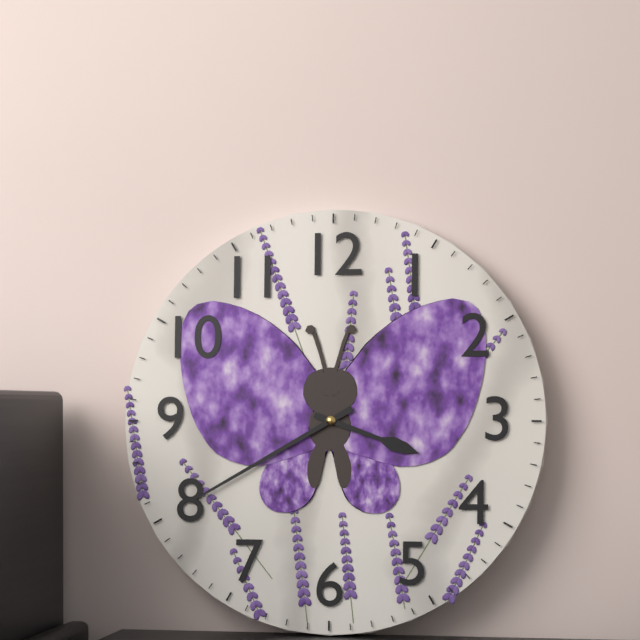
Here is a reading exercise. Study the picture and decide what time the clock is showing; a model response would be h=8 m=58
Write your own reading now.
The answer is h=3 m=40
